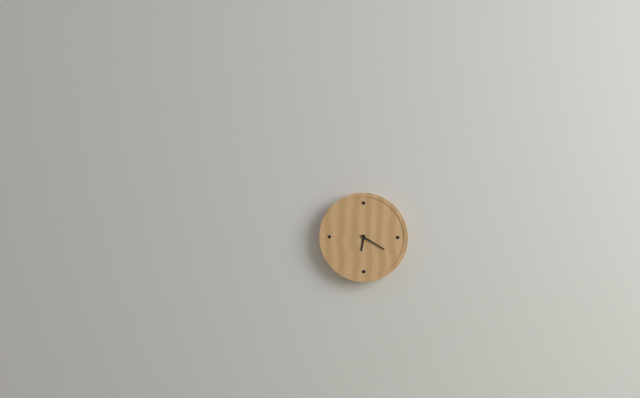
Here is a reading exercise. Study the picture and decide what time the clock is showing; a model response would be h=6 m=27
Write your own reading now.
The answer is h=6 m=20
